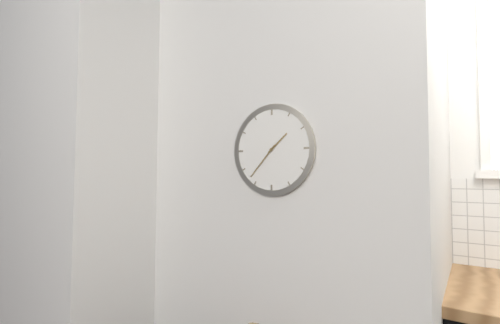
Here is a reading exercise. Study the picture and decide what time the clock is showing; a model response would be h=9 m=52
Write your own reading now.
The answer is h=1 m=37
